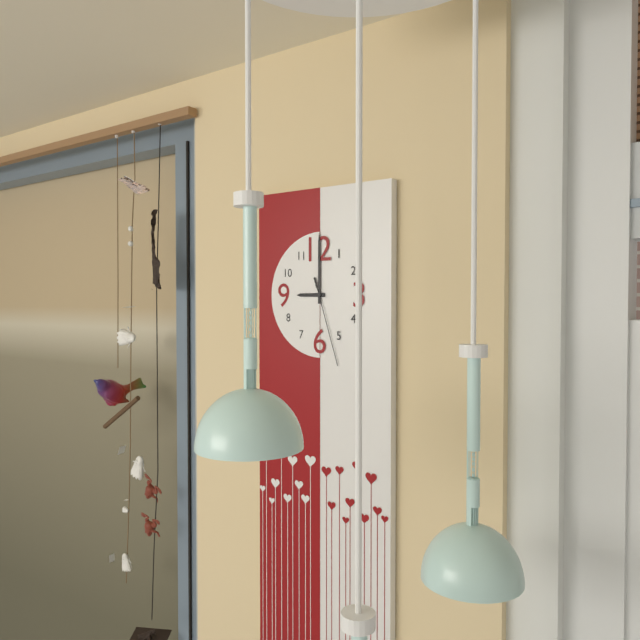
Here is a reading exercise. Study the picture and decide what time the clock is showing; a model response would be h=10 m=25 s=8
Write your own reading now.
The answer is h=9 m=0 s=27
